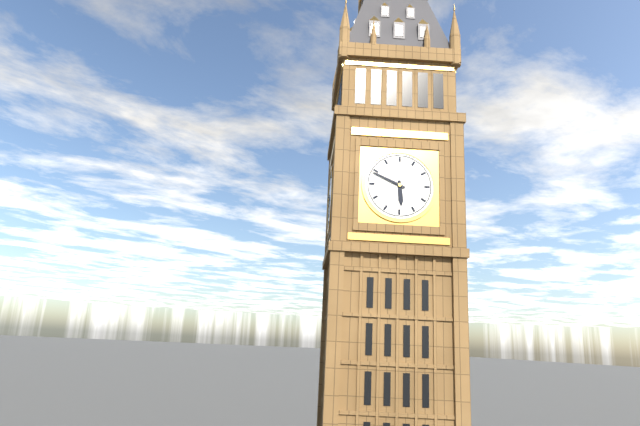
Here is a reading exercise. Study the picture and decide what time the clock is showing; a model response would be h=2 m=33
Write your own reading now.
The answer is h=5 m=49
